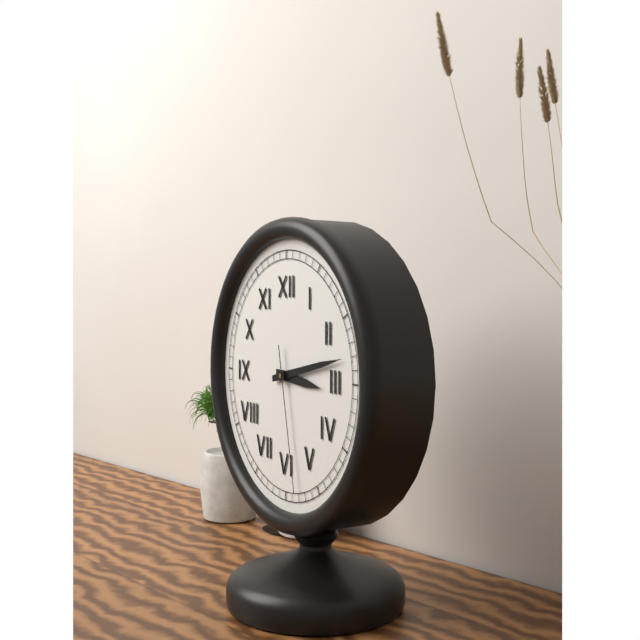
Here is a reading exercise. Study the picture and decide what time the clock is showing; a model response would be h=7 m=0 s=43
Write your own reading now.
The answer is h=3 m=13 s=28
